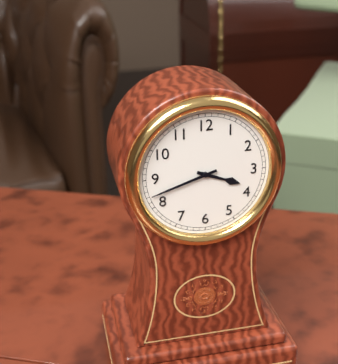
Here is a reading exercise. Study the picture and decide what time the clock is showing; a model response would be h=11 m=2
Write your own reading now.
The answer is h=3 m=42
